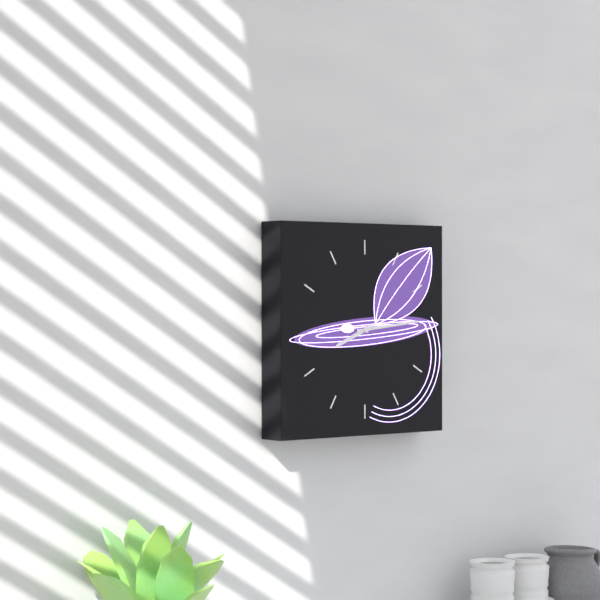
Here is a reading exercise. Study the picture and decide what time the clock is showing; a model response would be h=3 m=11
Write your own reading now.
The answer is h=8 m=14
